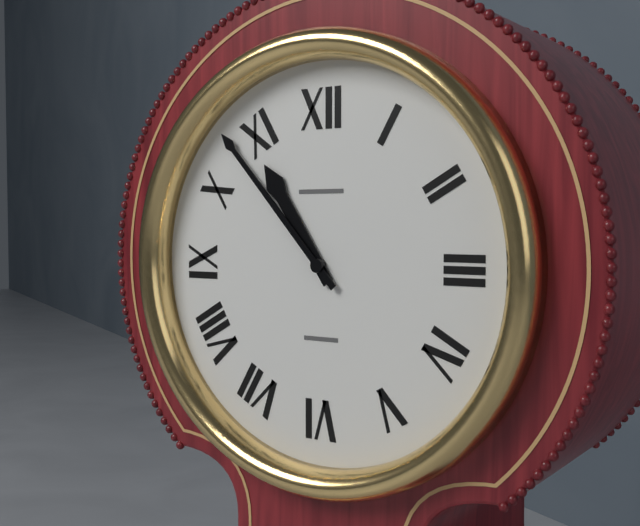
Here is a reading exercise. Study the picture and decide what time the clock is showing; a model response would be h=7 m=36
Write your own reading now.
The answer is h=10 m=53
